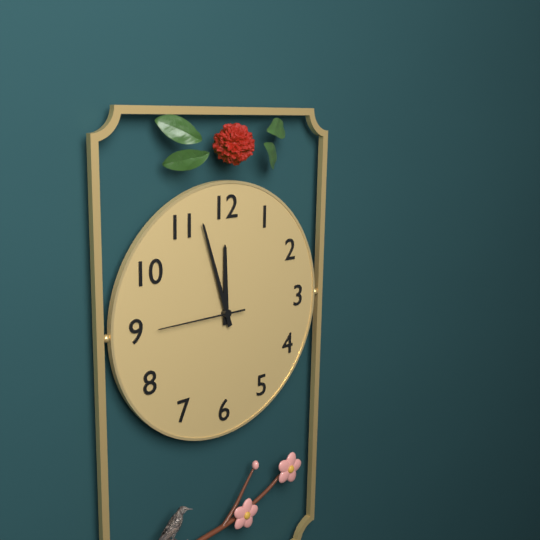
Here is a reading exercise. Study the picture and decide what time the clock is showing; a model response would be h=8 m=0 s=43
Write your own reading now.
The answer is h=11 m=57 s=45
